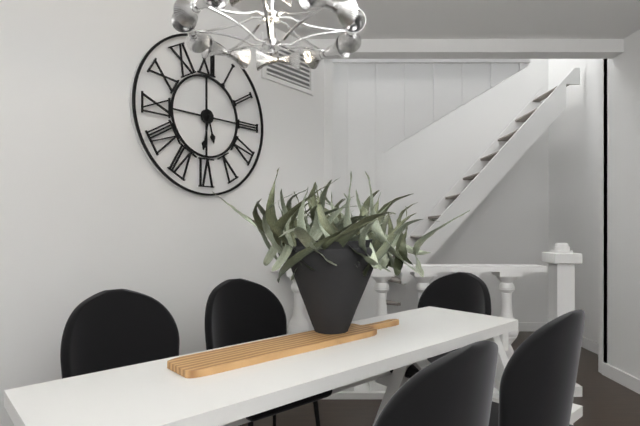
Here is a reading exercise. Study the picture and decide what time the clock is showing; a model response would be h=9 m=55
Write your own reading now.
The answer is h=5 m=32
